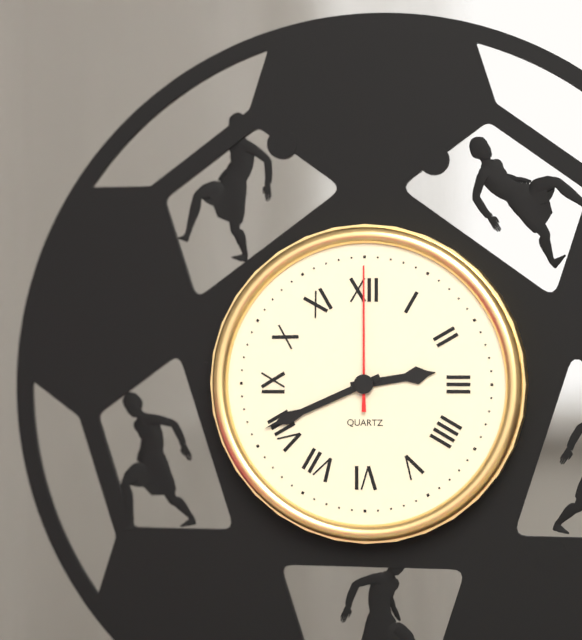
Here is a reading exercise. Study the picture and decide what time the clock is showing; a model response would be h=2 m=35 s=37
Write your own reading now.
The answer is h=2 m=41 s=0
